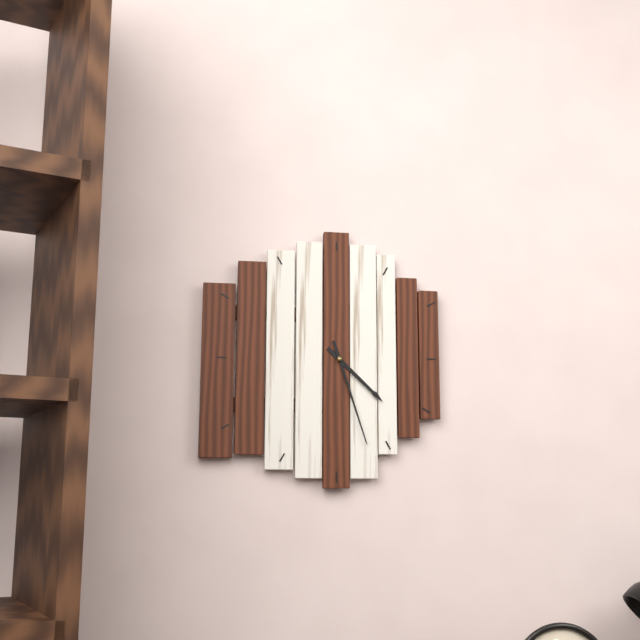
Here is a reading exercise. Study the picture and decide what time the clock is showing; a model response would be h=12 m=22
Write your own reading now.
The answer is h=4 m=27
